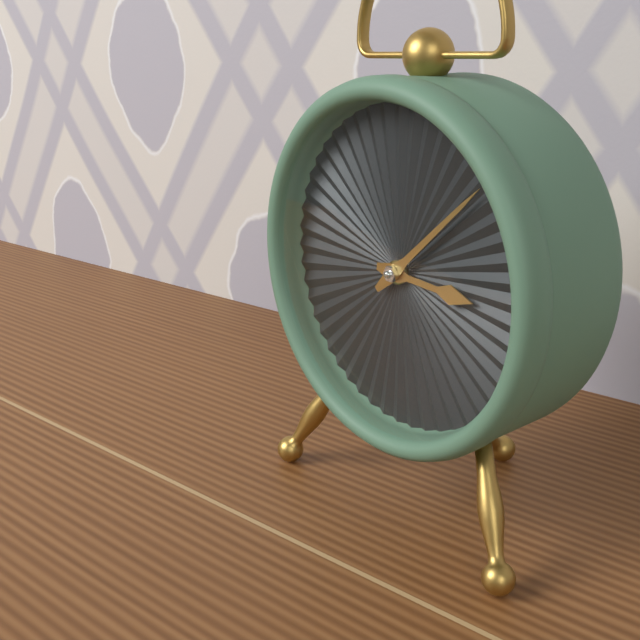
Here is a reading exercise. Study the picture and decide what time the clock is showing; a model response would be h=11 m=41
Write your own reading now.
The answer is h=3 m=8
